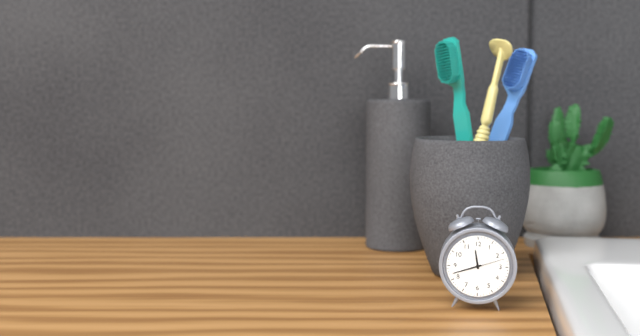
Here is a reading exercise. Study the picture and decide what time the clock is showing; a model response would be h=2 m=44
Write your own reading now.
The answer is h=11 m=42
